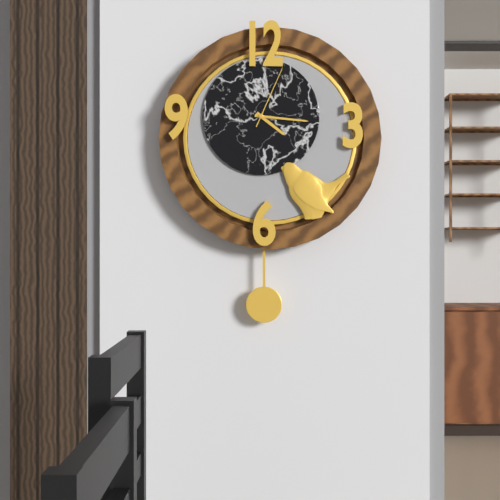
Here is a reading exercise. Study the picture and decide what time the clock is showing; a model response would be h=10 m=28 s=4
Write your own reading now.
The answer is h=4 m=16 s=4
